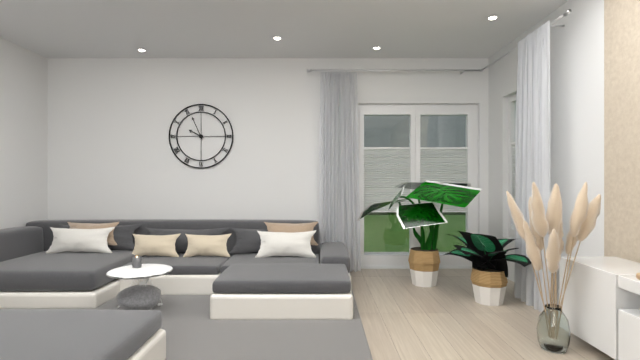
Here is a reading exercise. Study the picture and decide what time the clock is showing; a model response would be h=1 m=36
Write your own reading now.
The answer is h=9 m=56
